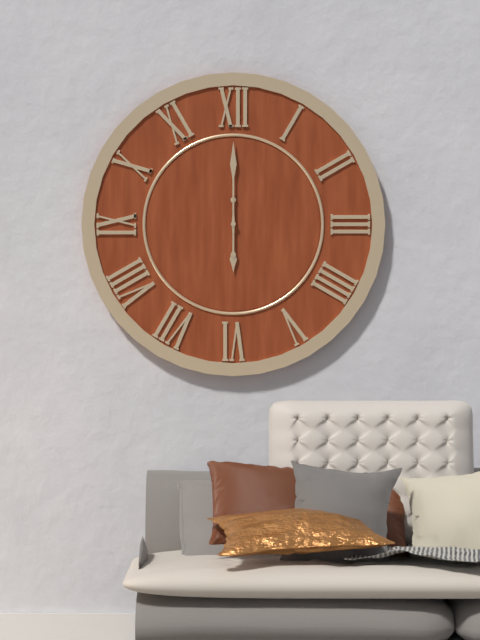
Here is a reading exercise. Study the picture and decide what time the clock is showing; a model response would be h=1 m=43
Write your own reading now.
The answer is h=6 m=0
